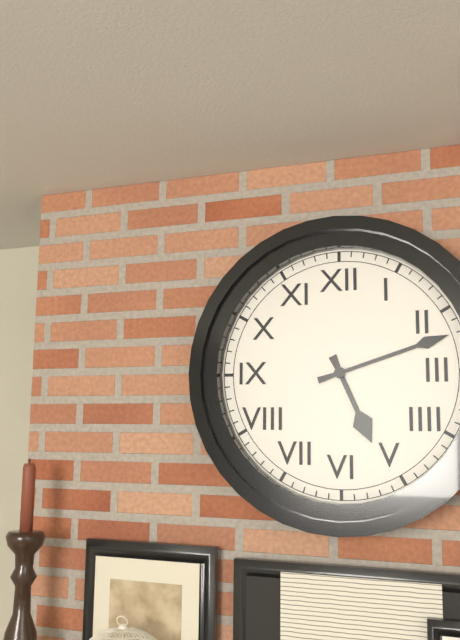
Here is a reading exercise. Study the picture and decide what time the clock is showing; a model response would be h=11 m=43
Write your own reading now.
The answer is h=5 m=12
